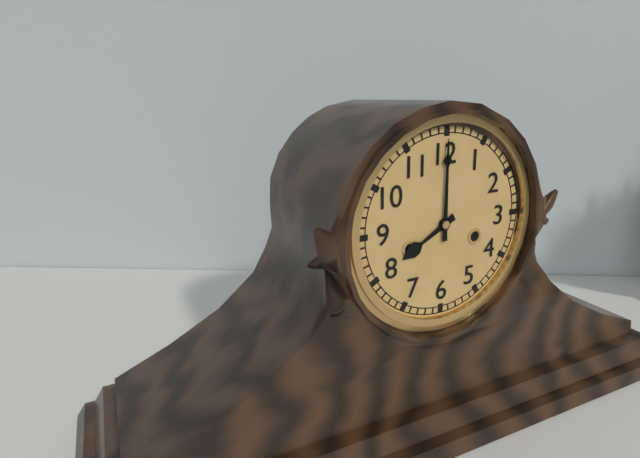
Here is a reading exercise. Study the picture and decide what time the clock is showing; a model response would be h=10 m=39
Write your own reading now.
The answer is h=8 m=0
